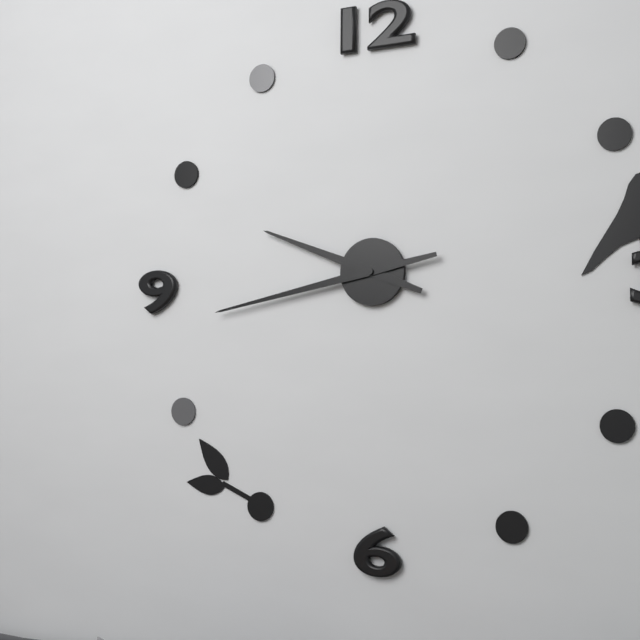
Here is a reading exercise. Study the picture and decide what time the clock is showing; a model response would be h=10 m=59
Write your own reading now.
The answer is h=9 m=43
